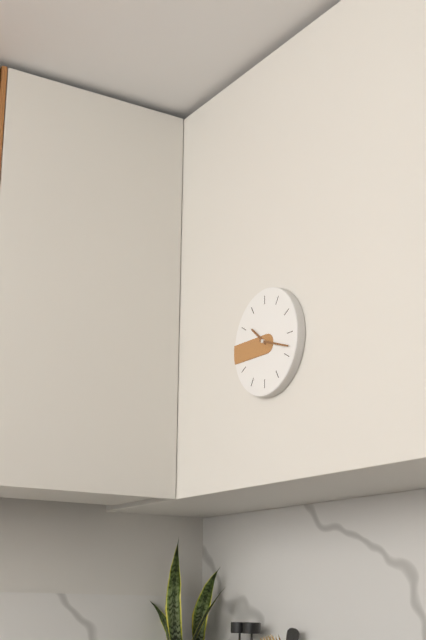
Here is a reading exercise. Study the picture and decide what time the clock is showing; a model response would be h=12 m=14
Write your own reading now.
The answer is h=10 m=18
